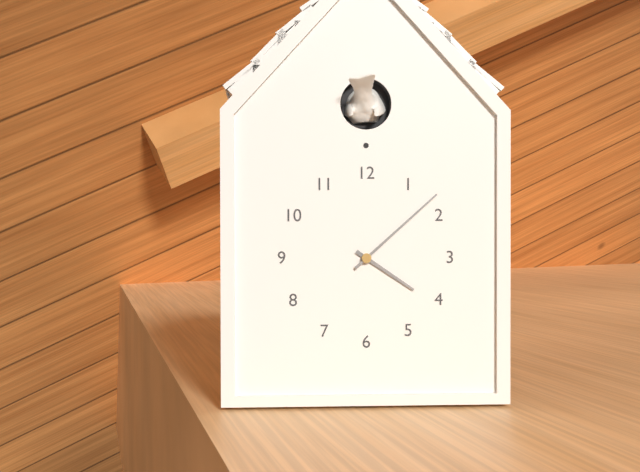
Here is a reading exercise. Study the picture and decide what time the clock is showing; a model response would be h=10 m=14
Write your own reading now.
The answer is h=4 m=8
